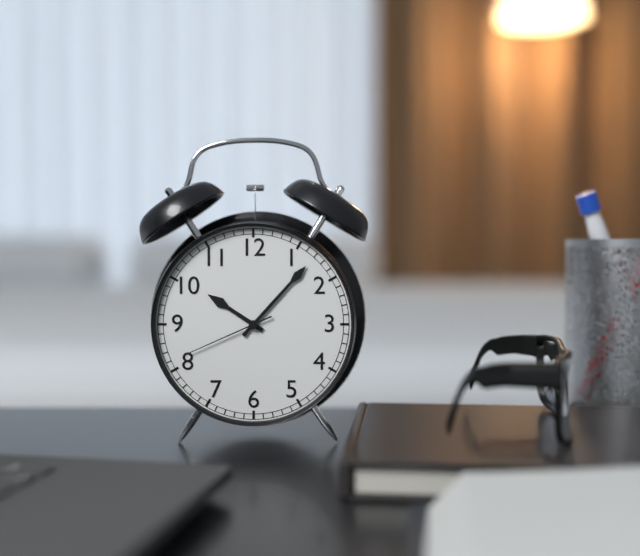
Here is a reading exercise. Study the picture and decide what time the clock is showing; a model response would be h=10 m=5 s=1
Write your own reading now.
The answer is h=10 m=7 s=41
